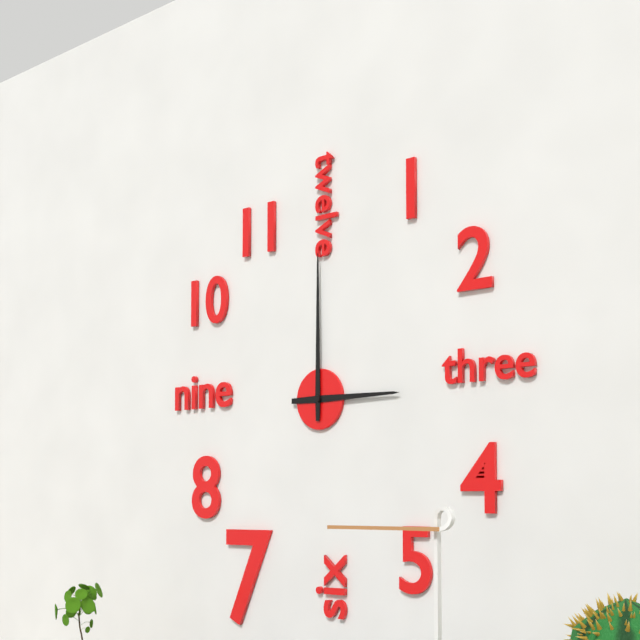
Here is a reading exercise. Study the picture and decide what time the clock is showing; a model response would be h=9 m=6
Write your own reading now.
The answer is h=3 m=0
